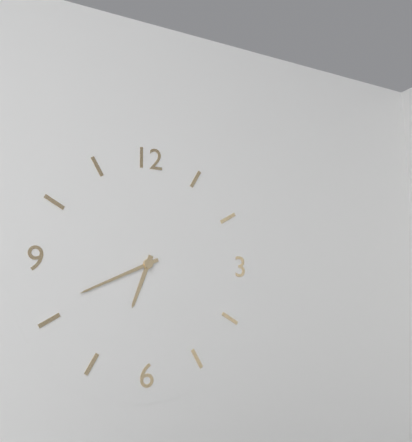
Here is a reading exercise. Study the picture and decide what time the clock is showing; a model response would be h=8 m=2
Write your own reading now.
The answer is h=6 m=41
